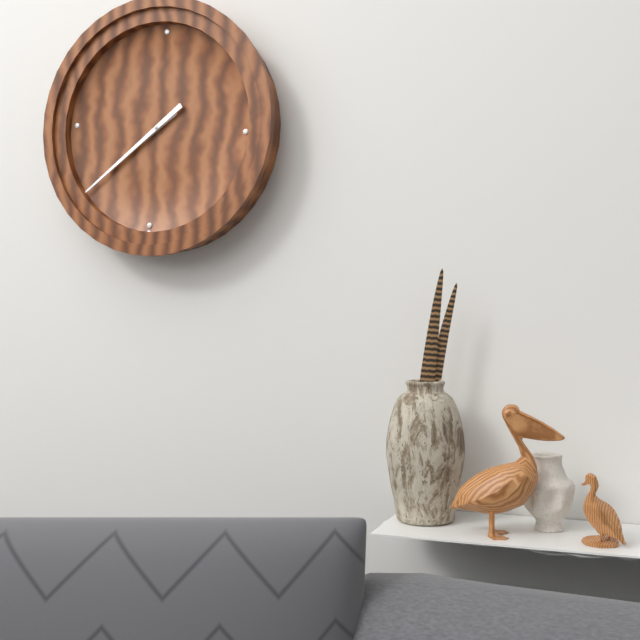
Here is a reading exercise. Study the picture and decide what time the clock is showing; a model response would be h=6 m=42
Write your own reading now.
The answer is h=7 m=38
